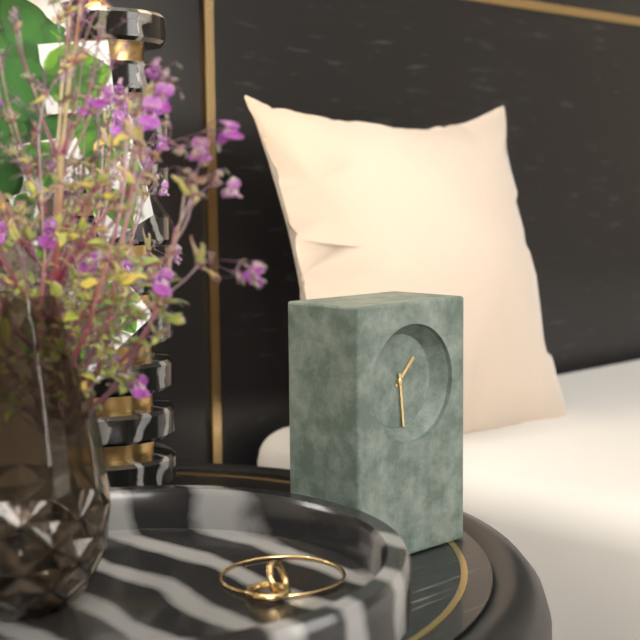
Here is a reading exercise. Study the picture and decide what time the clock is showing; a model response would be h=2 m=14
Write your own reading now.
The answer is h=1 m=29
